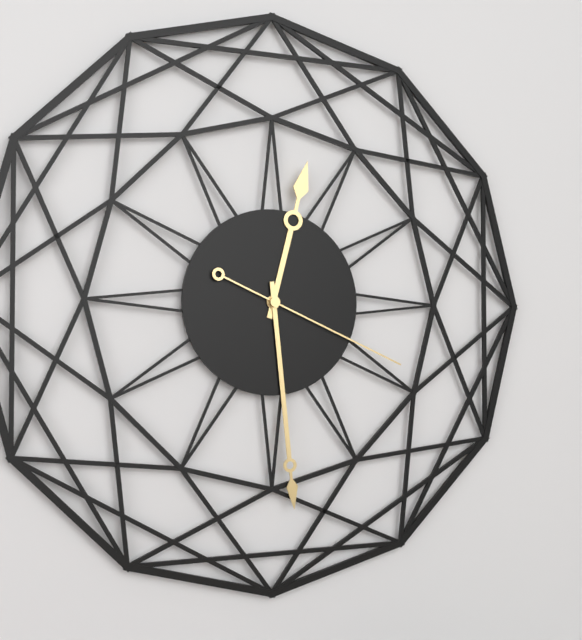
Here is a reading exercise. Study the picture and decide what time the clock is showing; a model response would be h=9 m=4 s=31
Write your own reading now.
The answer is h=12 m=29 s=19
